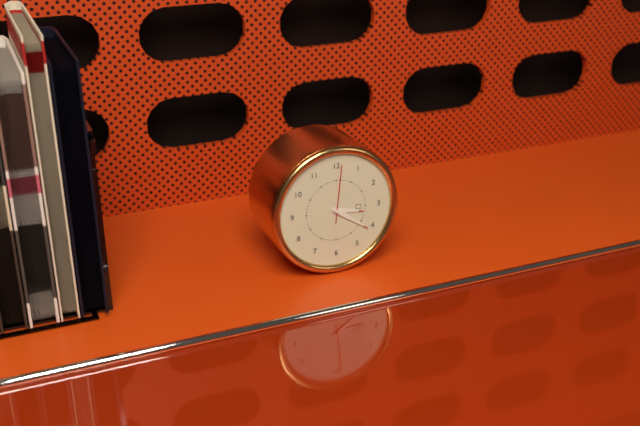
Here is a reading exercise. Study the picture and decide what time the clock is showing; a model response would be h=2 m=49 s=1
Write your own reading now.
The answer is h=3 m=21 s=1
